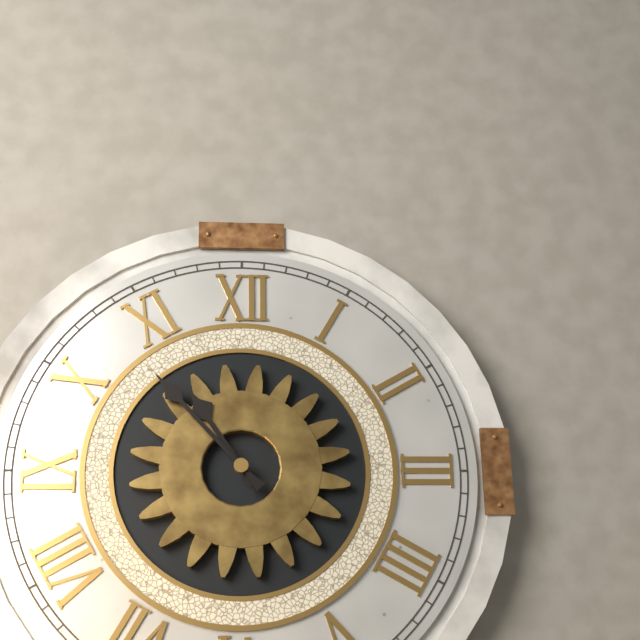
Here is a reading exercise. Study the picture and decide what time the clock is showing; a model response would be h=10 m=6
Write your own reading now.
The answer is h=10 m=53
